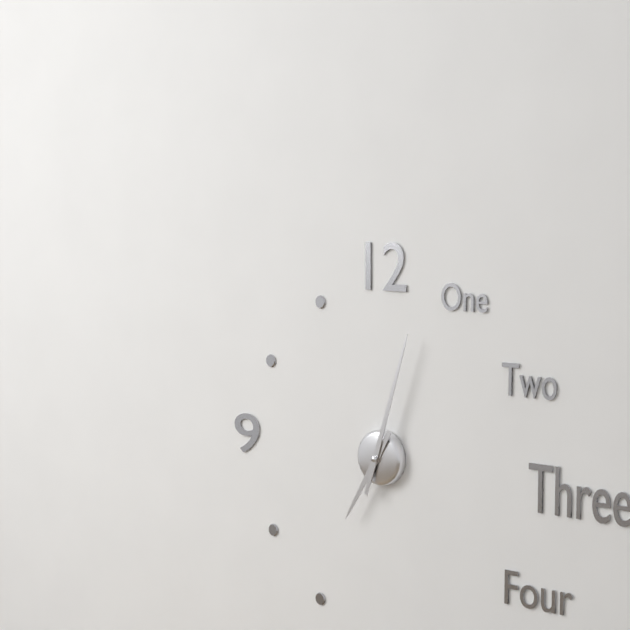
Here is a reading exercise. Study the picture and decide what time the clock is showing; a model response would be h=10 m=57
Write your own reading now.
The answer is h=7 m=3
